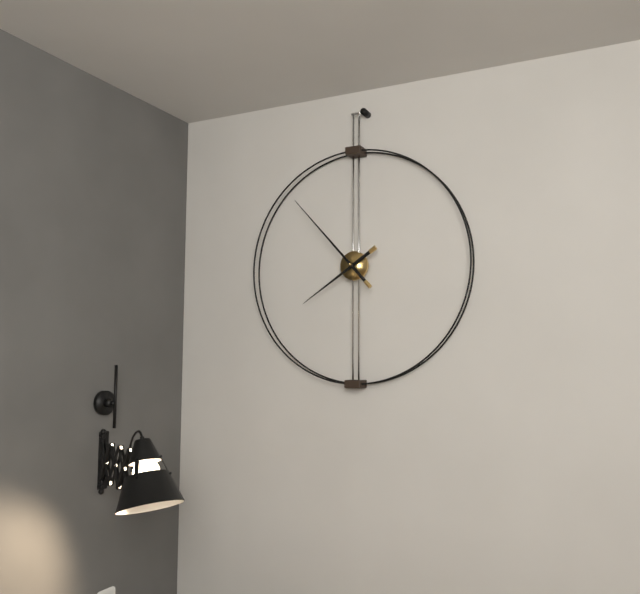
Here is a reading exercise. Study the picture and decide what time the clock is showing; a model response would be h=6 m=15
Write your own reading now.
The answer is h=7 m=53
